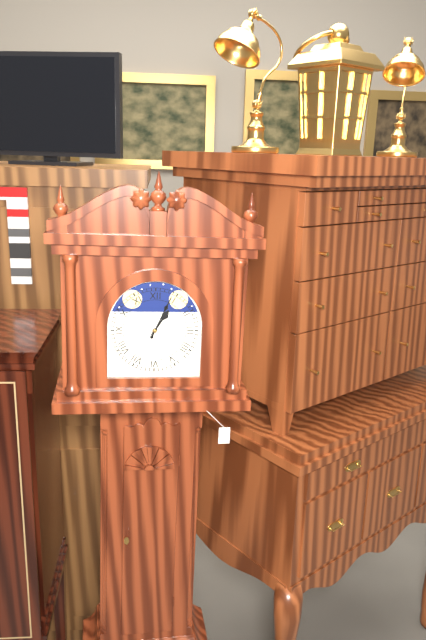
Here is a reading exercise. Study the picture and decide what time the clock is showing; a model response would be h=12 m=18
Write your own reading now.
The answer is h=1 m=4
